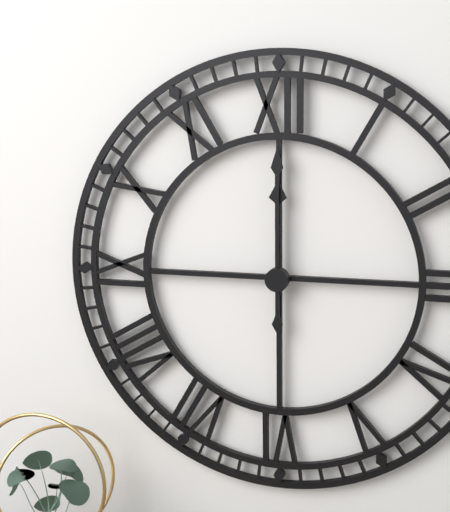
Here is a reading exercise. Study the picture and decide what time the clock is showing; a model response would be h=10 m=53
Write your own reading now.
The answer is h=12 m=0
